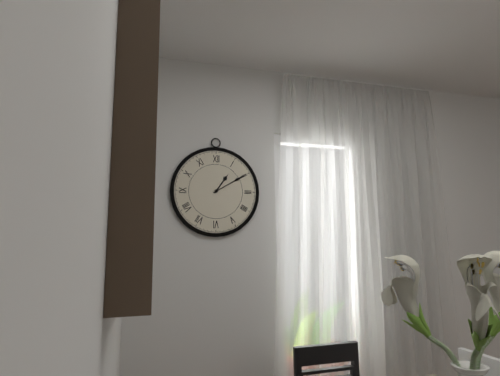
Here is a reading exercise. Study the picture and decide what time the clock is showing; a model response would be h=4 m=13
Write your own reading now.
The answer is h=1 m=10
